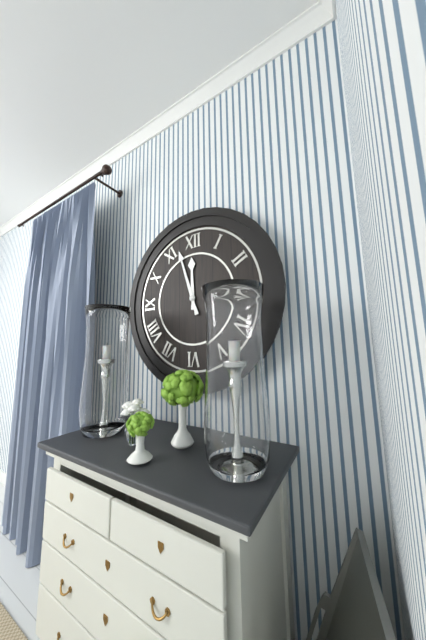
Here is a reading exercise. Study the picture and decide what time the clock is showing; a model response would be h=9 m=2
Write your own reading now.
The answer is h=11 m=57
